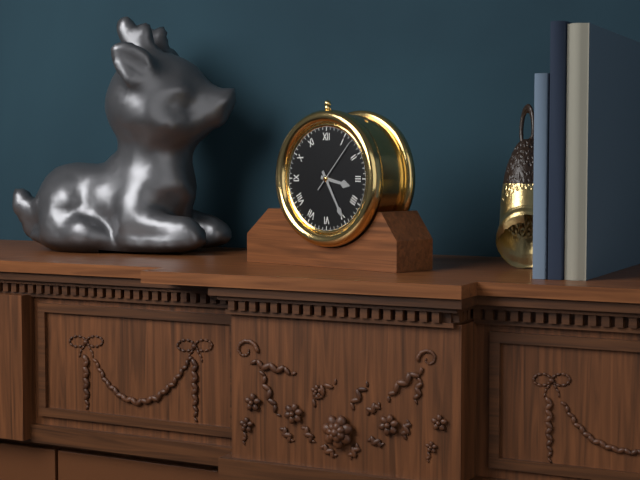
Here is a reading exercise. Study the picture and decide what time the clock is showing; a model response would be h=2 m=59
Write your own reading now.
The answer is h=3 m=25
